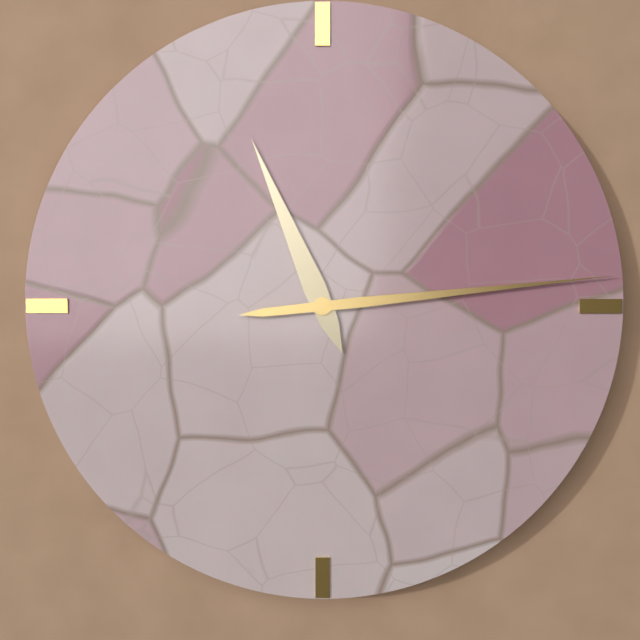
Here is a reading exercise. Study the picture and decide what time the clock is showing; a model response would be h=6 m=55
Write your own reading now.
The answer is h=11 m=14
